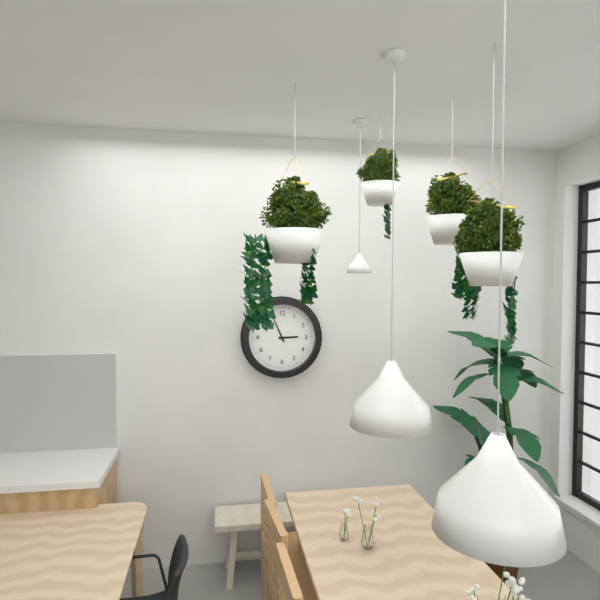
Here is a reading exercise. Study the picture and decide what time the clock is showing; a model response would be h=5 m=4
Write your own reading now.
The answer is h=2 m=56
